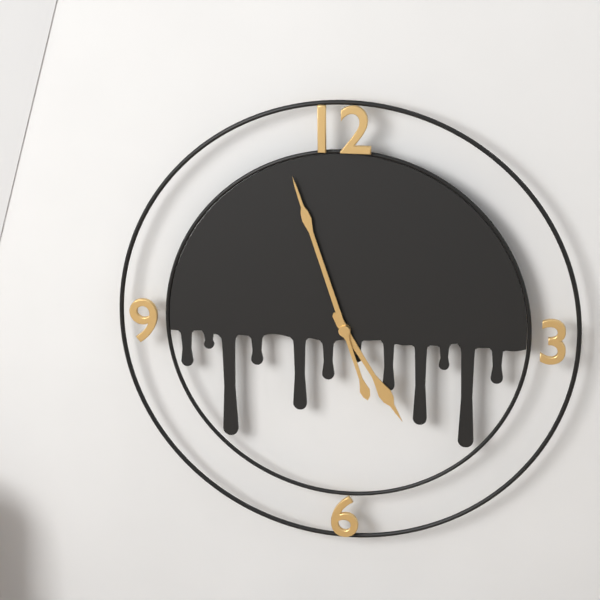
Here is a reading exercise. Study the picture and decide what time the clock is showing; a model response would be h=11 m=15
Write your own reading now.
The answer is h=4 m=57
